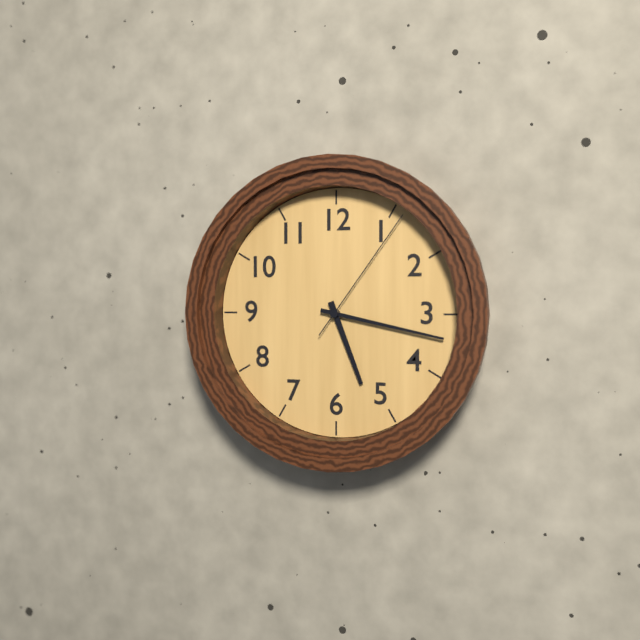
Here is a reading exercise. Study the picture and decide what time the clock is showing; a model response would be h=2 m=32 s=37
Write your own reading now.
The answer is h=5 m=17 s=6
